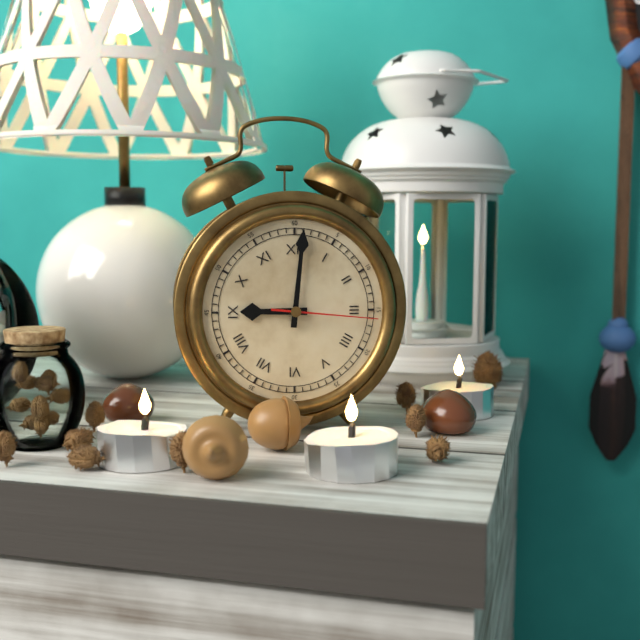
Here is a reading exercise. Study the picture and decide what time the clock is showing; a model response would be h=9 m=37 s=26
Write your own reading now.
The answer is h=9 m=1 s=16
